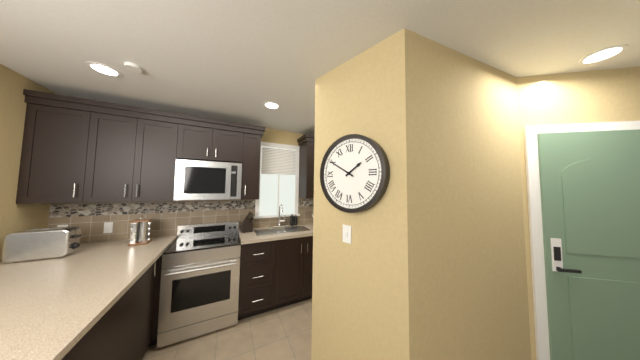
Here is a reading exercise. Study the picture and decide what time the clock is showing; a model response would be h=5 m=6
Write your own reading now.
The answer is h=1 m=50
